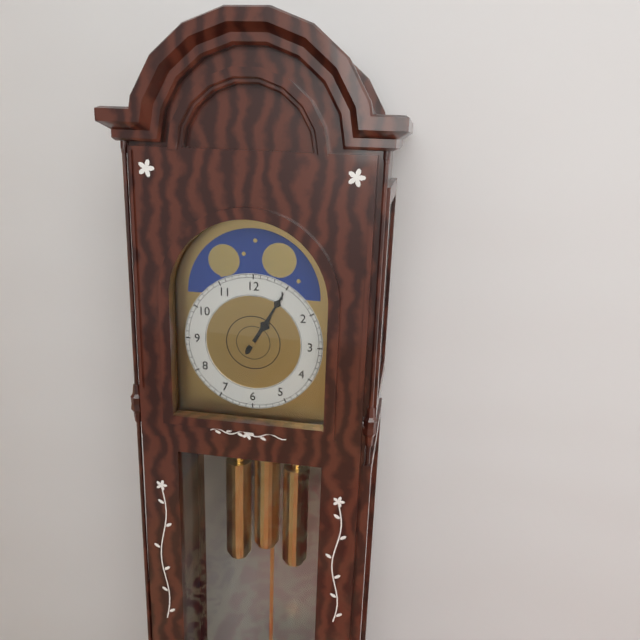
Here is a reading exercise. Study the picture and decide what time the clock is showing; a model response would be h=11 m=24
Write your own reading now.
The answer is h=1 m=5
